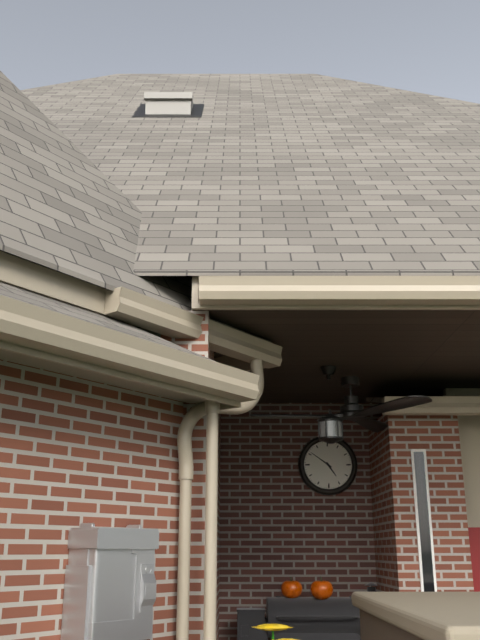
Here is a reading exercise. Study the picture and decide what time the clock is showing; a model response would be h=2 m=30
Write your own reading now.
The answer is h=4 m=51
